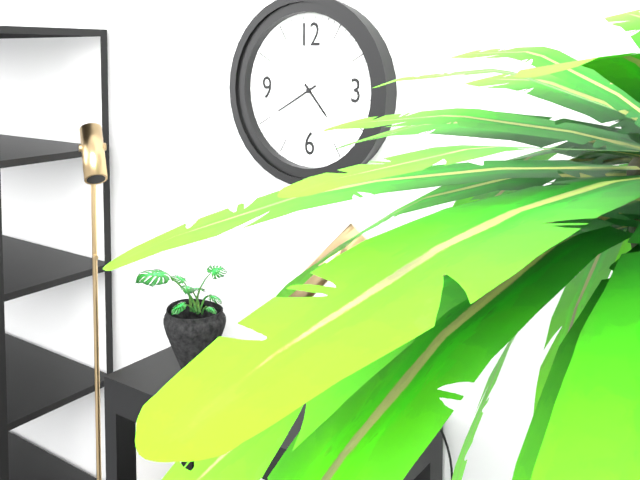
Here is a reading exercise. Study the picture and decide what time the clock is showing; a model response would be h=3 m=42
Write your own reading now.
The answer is h=4 m=40
